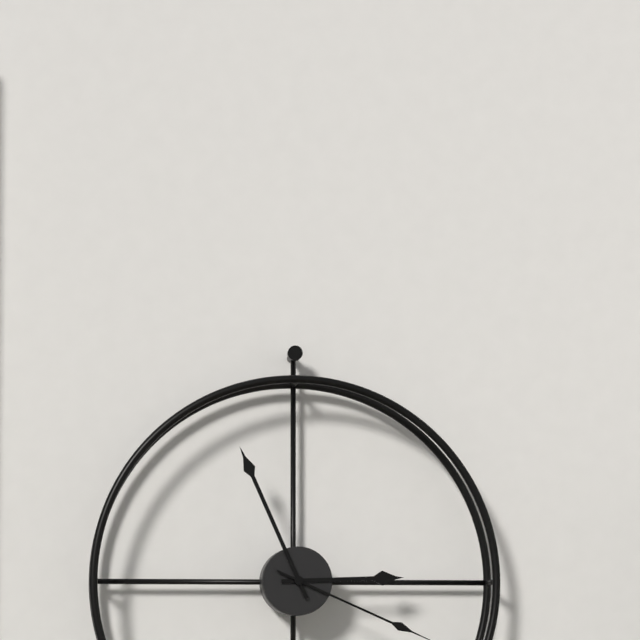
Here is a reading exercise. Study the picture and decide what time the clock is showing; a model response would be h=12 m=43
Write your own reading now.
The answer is h=2 m=56
